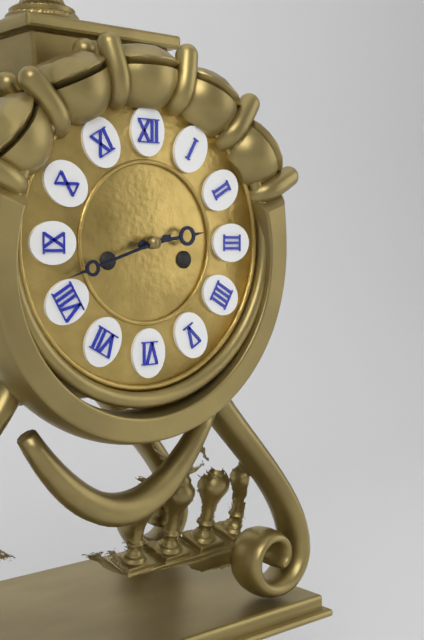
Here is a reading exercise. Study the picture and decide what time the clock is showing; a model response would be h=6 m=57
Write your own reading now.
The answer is h=2 m=42
